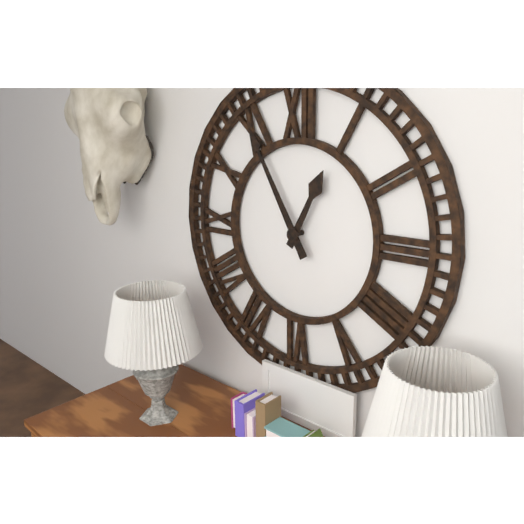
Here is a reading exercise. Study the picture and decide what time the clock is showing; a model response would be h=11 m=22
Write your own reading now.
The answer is h=12 m=55
